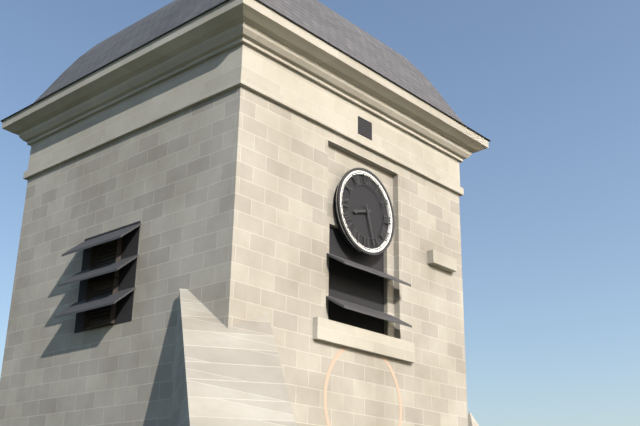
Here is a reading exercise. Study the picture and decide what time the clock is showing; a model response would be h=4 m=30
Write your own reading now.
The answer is h=8 m=27
